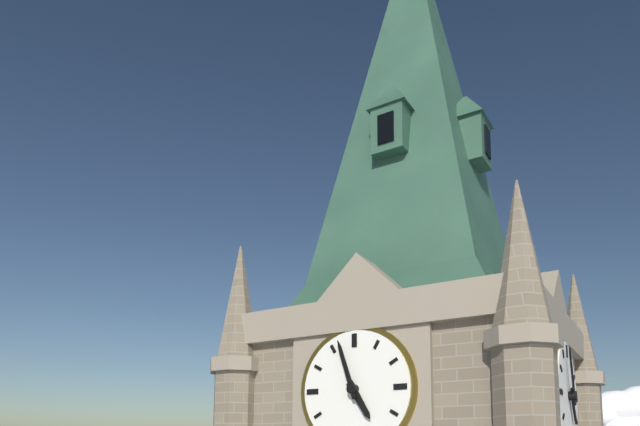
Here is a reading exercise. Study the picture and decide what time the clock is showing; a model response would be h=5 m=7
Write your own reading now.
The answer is h=4 m=57
